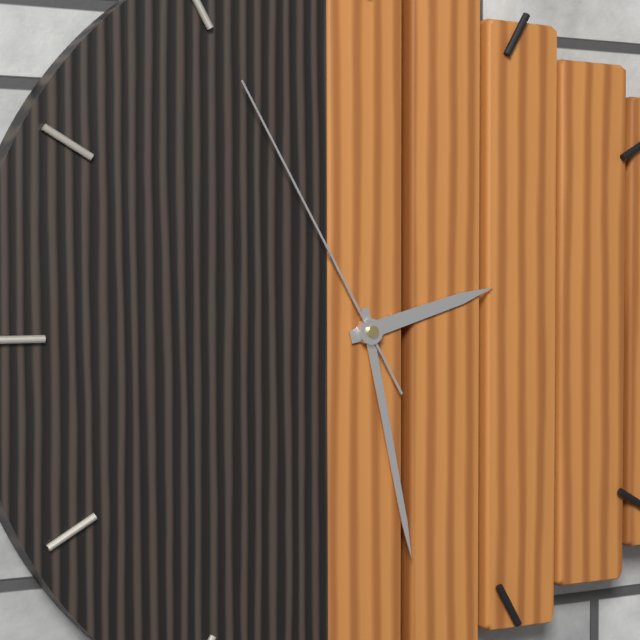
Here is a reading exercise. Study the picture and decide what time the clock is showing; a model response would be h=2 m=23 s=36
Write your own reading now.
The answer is h=2 m=28 s=55
